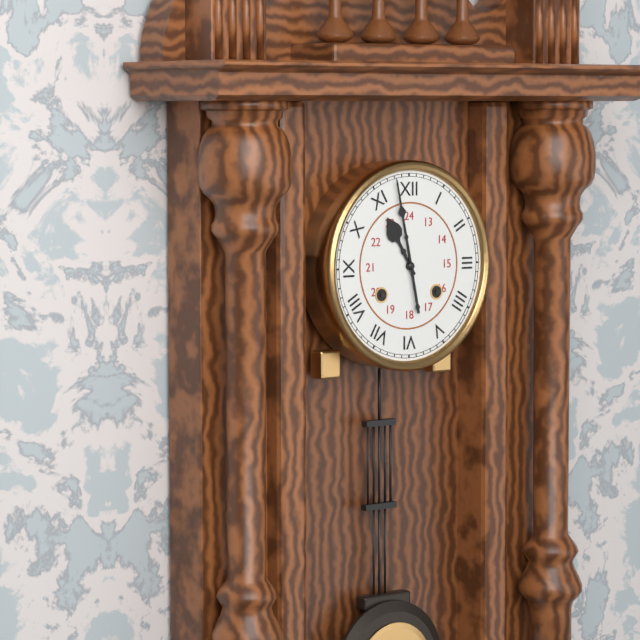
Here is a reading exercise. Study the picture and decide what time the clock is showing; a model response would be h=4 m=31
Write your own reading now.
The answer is h=10 m=58
